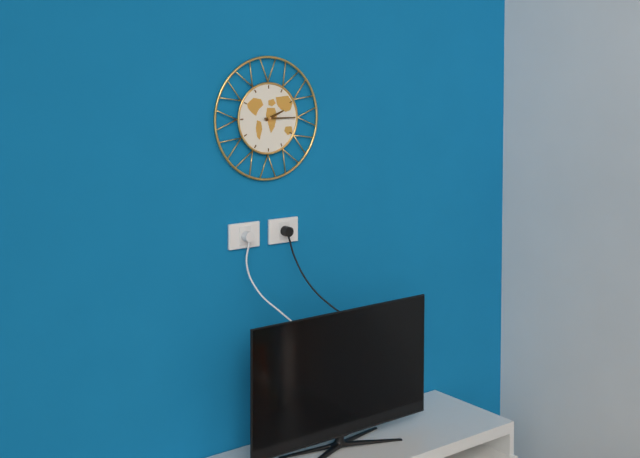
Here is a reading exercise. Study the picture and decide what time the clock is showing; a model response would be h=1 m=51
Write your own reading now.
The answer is h=2 m=15
